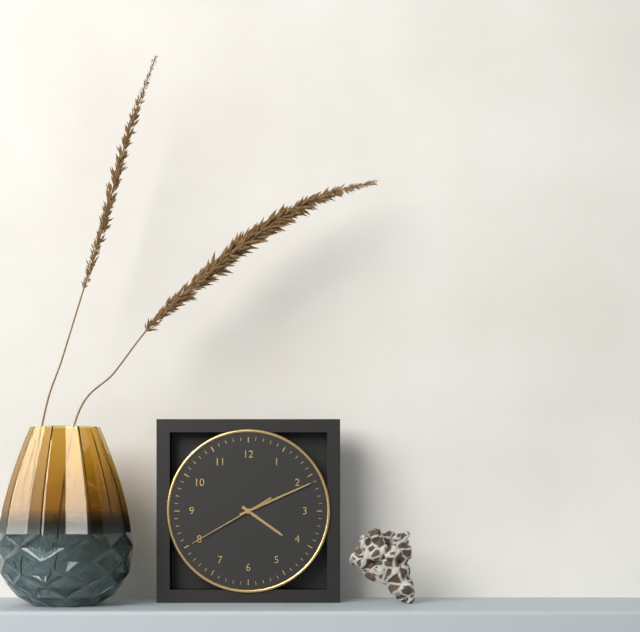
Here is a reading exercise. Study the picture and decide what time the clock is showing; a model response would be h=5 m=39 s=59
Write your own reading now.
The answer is h=4 m=11 s=40
